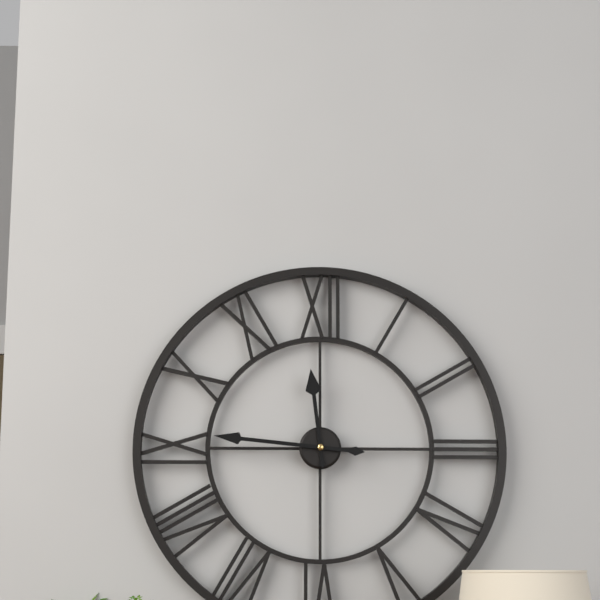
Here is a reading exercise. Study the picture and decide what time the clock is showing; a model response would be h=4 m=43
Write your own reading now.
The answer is h=11 m=46
